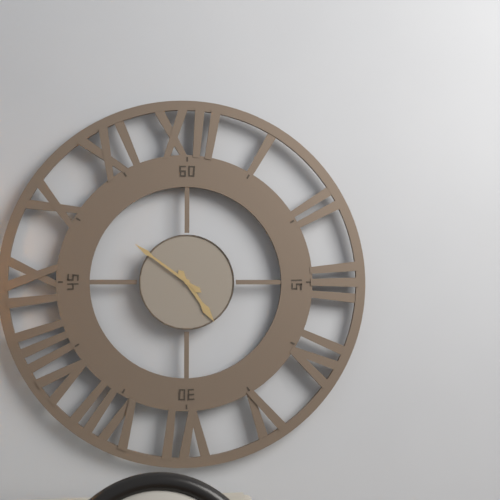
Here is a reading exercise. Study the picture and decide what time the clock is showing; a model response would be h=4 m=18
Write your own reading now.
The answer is h=4 m=51
